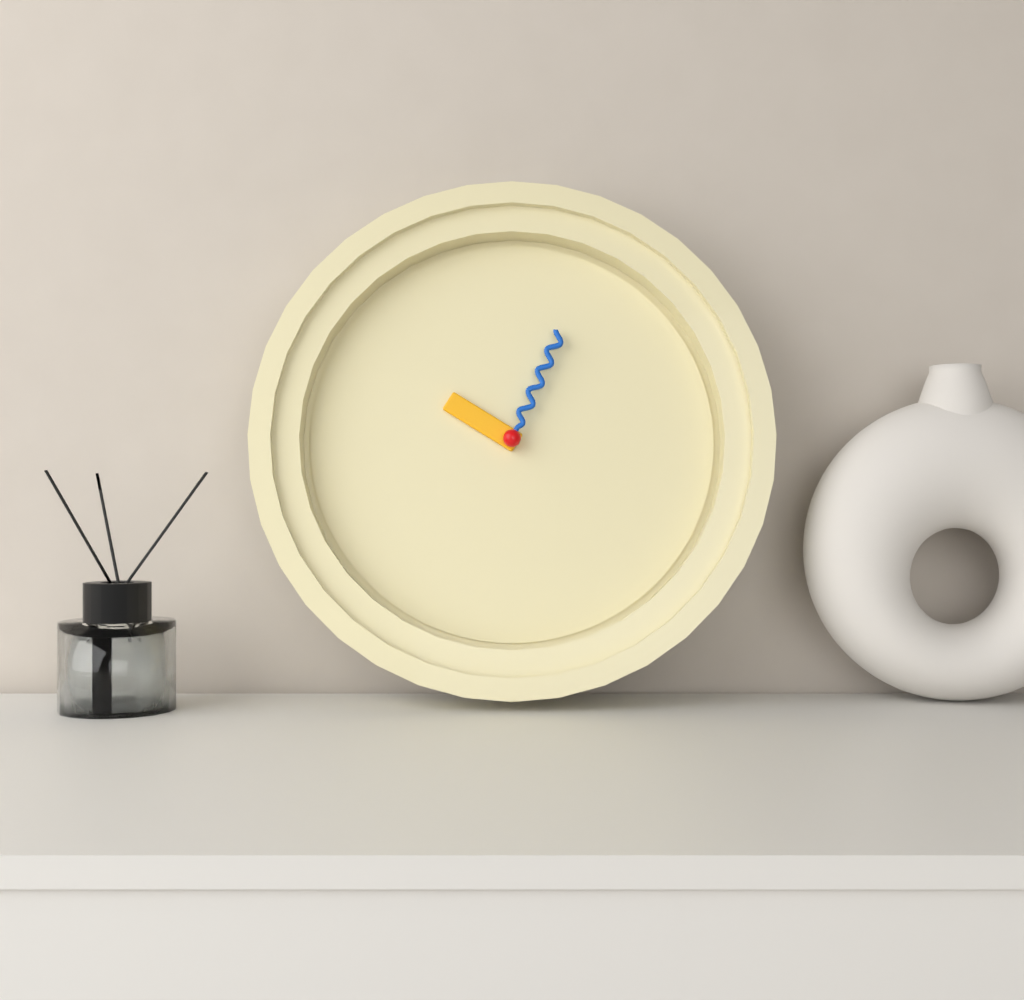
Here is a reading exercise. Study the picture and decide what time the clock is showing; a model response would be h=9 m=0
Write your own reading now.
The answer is h=10 m=4
